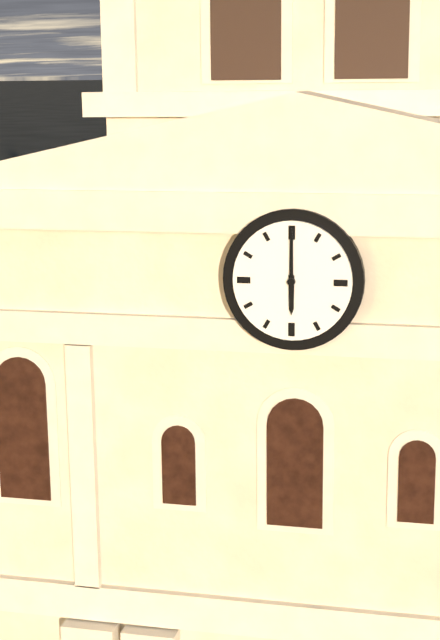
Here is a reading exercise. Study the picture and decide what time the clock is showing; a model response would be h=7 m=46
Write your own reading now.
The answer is h=6 m=0
